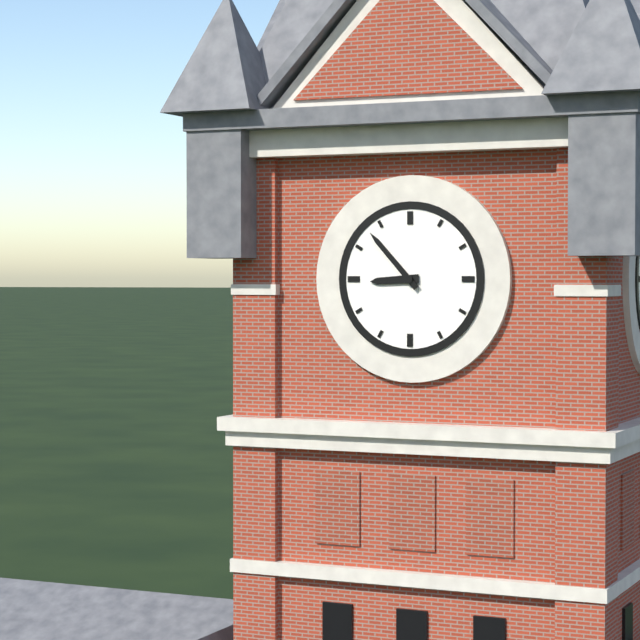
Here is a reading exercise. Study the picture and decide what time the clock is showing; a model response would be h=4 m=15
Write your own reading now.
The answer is h=8 m=53
